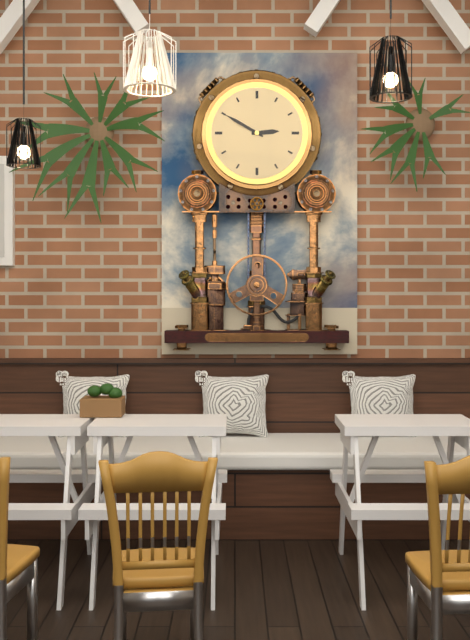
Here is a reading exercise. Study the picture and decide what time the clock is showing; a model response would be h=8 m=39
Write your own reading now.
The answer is h=2 m=50
